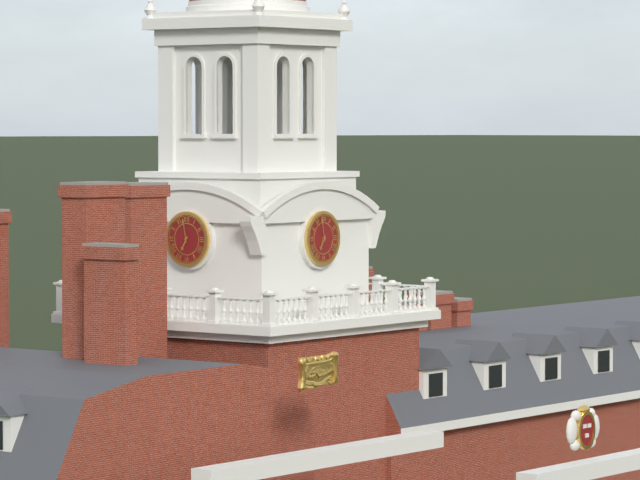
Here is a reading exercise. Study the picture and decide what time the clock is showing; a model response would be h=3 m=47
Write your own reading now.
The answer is h=6 m=58
